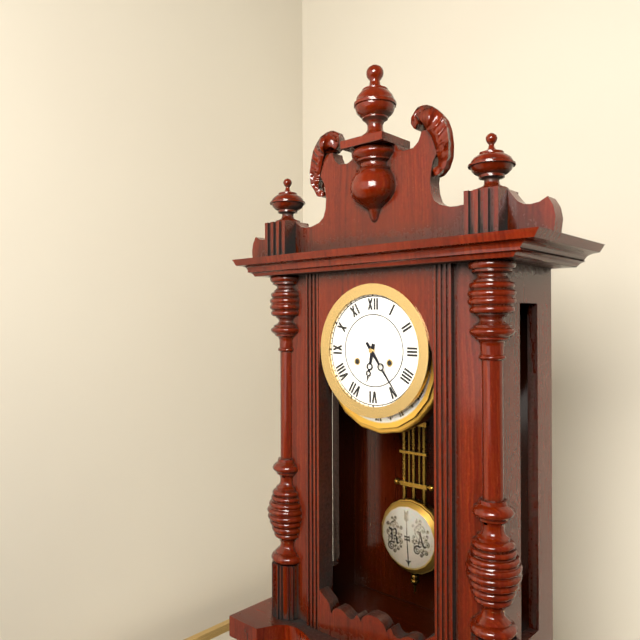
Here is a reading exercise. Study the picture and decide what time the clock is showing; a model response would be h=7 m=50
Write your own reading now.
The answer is h=6 m=24
